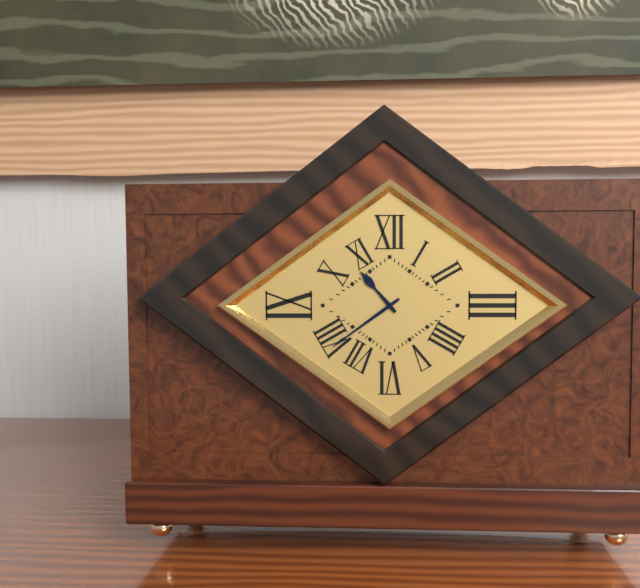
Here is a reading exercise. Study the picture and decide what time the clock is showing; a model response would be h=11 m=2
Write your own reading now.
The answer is h=10 m=39
